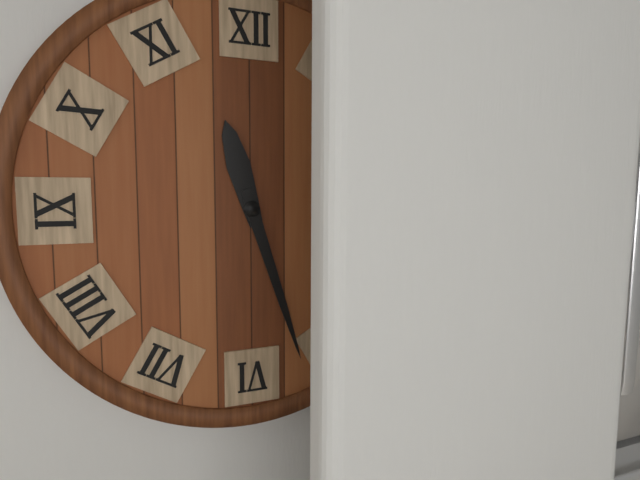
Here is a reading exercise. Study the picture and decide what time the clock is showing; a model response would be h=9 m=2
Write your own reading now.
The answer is h=11 m=27
